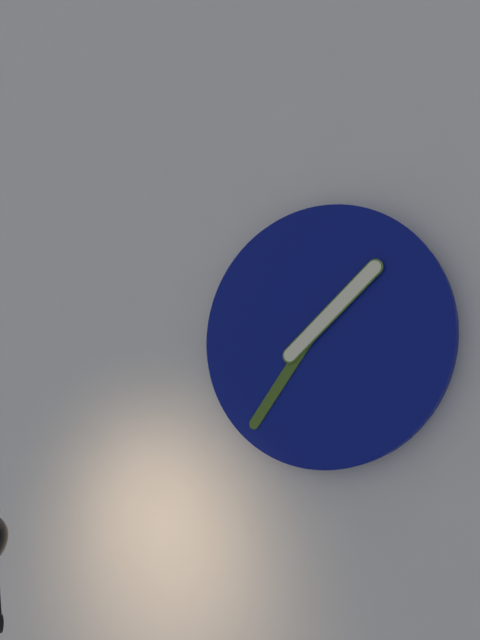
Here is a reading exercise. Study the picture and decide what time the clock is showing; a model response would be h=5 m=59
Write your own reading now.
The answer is h=1 m=36
